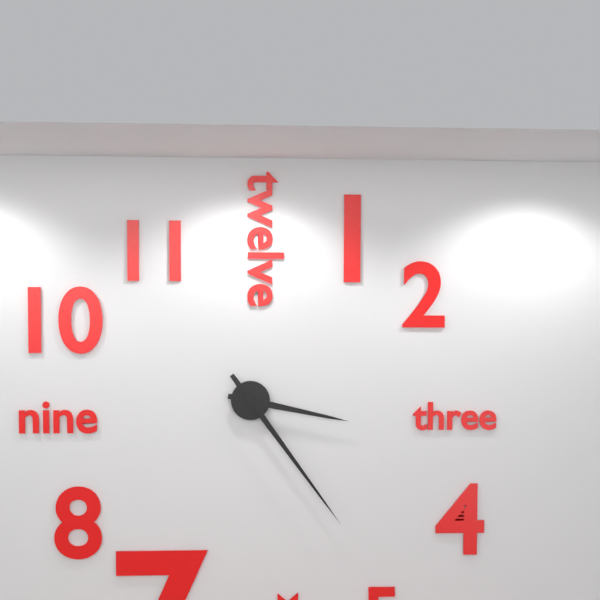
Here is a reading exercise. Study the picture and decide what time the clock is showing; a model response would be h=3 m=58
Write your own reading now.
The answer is h=3 m=24
